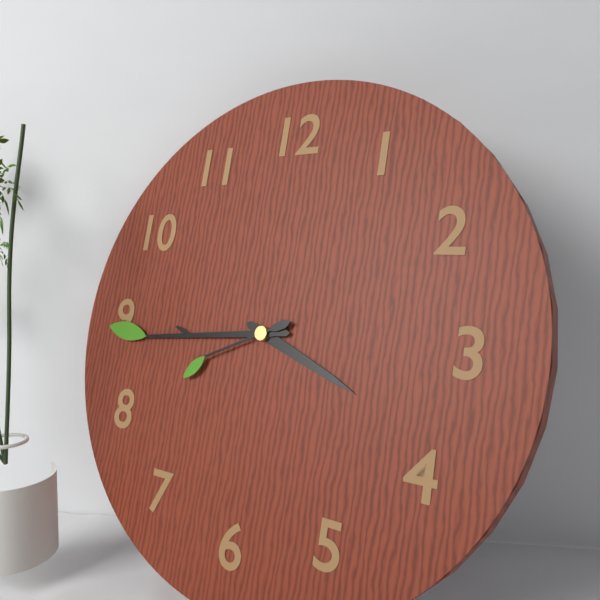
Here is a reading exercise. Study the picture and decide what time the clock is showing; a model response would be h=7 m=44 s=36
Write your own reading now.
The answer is h=3 m=44 s=41
